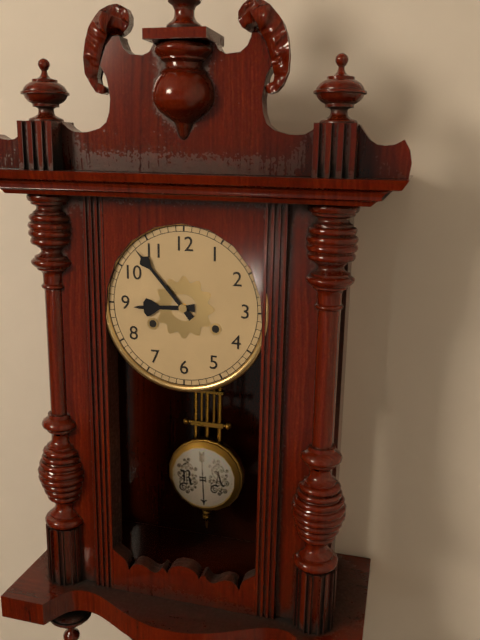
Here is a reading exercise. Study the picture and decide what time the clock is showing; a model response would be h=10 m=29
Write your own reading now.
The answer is h=8 m=53
